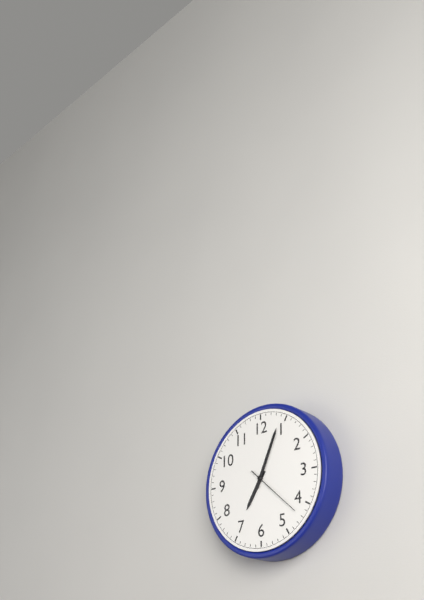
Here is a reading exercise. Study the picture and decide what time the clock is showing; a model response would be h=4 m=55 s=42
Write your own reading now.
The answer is h=7 m=4 s=22
